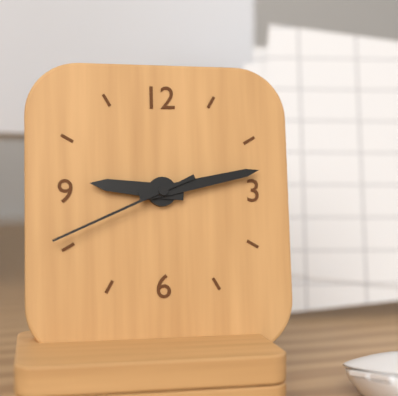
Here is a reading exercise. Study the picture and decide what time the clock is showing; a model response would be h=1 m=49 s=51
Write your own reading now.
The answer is h=9 m=13 s=41
